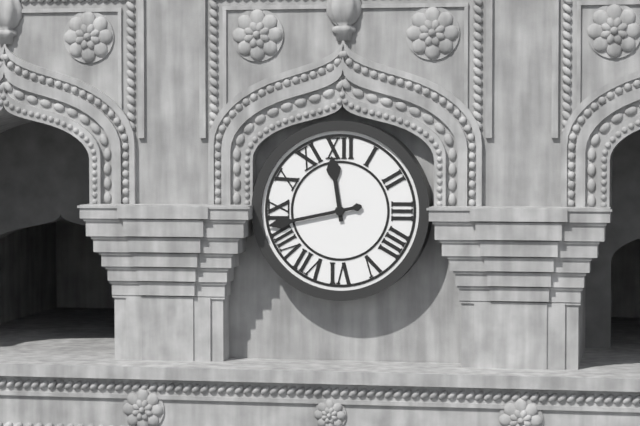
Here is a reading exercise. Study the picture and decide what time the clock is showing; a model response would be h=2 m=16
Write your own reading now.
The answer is h=11 m=43
